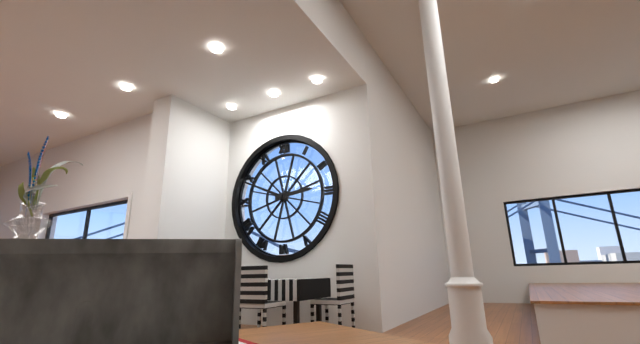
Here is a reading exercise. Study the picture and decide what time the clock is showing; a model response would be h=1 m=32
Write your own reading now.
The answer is h=2 m=49
